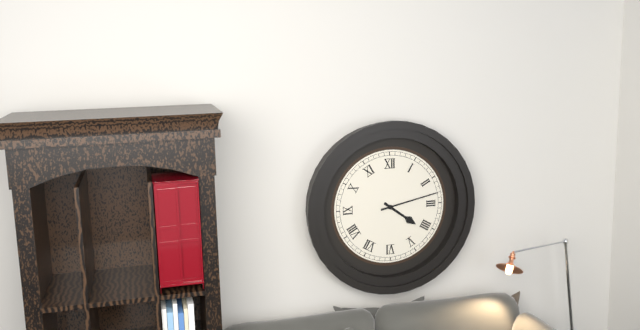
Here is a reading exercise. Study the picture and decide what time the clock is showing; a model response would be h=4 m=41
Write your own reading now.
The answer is h=4 m=13
